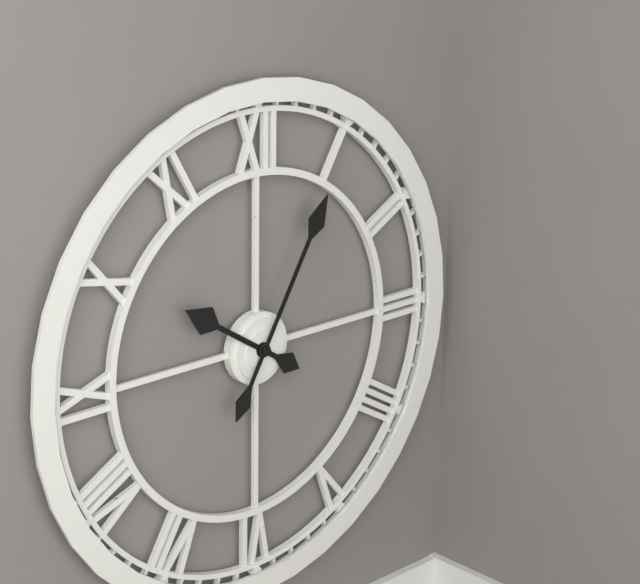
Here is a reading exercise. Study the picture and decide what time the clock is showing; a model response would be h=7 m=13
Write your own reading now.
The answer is h=10 m=5
